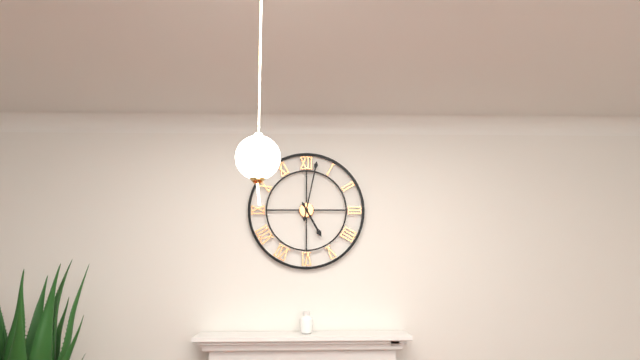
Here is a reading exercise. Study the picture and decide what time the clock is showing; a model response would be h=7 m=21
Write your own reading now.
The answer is h=5 m=2
